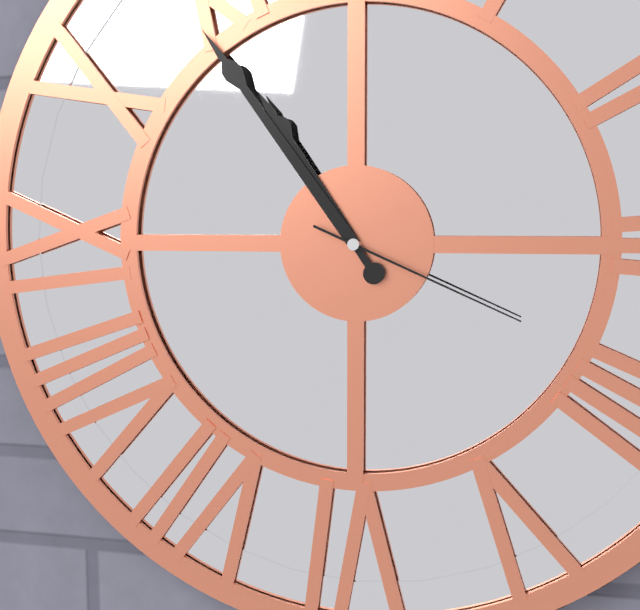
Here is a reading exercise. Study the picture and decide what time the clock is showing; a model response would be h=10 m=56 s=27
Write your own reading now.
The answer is h=10 m=54 s=19
